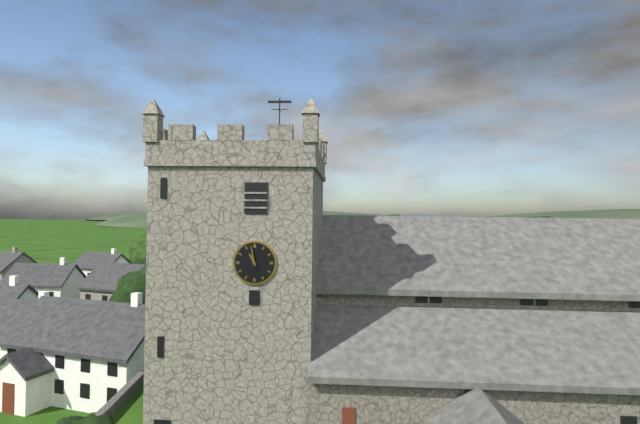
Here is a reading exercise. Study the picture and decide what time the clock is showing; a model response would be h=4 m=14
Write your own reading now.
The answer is h=10 m=58
